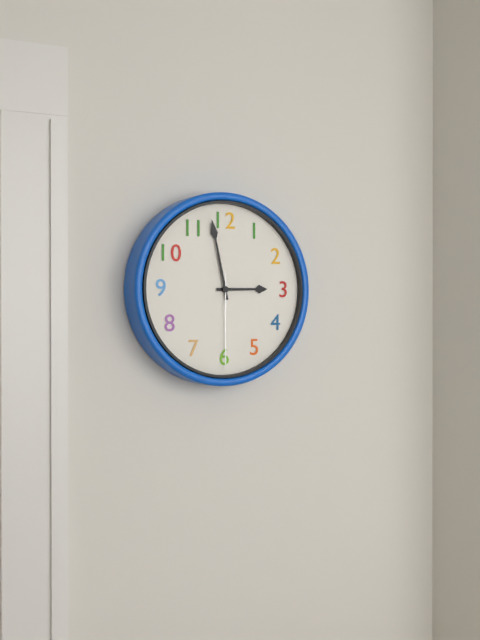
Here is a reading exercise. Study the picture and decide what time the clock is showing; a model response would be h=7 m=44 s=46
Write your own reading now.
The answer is h=2 m=58 s=30
